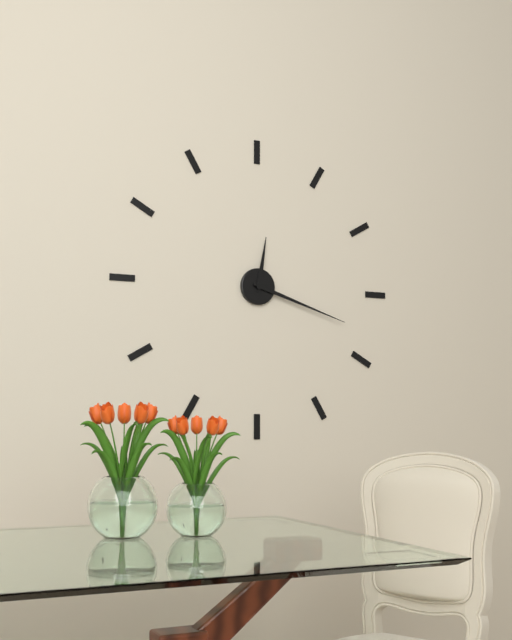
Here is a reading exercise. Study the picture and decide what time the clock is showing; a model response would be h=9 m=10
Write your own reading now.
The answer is h=12 m=18
